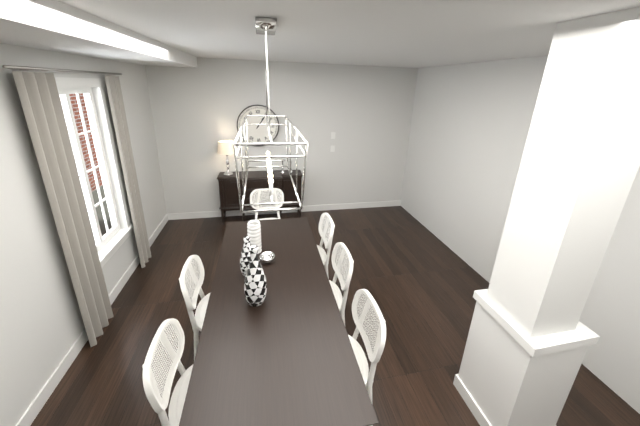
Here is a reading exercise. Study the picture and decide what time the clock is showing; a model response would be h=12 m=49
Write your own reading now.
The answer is h=1 m=6
